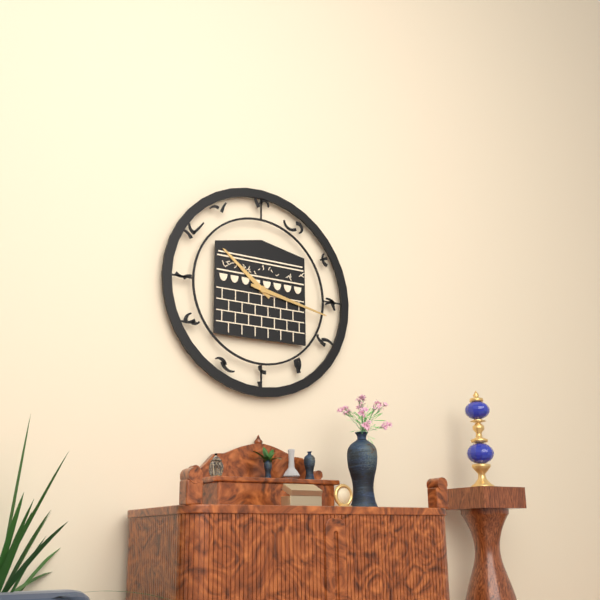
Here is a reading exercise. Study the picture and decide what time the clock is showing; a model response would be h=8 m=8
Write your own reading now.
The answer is h=10 m=17
